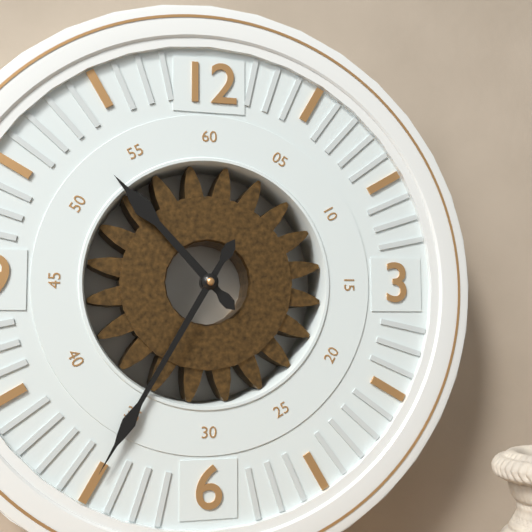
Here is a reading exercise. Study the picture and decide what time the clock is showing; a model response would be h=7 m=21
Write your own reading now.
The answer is h=10 m=35
